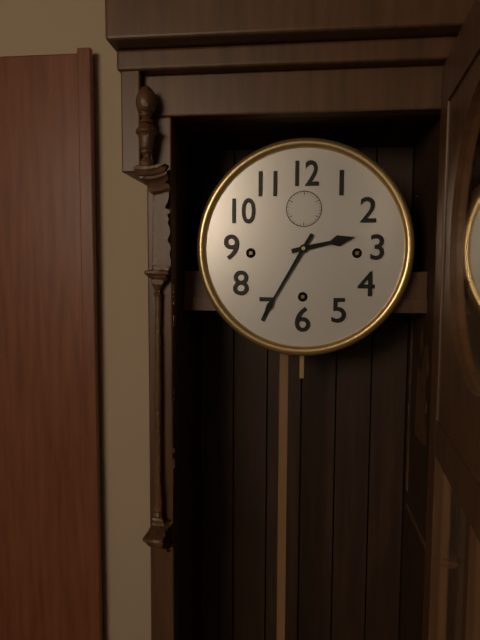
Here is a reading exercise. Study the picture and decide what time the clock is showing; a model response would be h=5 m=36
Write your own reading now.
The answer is h=2 m=35
